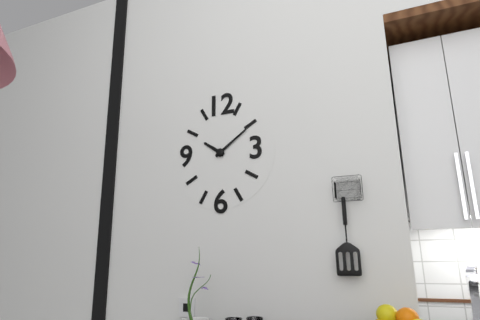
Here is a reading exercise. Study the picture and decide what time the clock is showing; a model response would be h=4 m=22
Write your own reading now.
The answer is h=10 m=9
